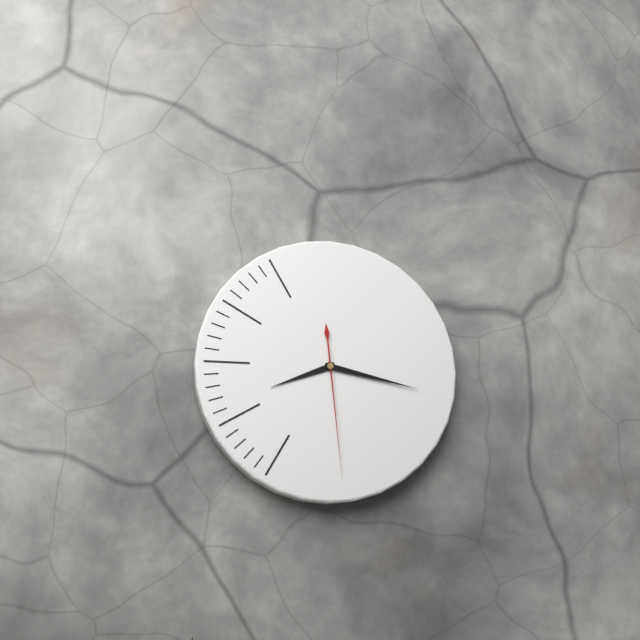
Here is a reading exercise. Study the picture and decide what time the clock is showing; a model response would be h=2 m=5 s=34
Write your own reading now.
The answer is h=8 m=17 s=29
